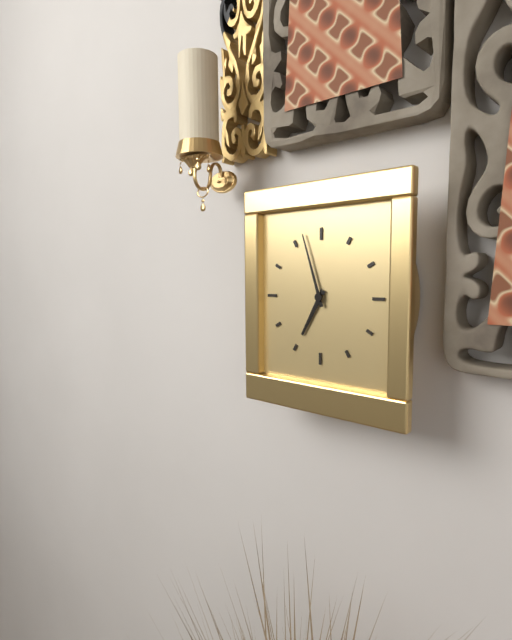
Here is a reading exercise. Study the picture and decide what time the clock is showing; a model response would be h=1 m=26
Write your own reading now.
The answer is h=6 m=57
